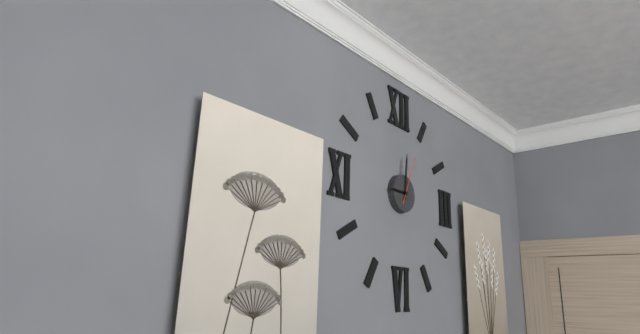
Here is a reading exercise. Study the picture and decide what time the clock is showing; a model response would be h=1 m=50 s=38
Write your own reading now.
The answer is h=9 m=1 s=4
